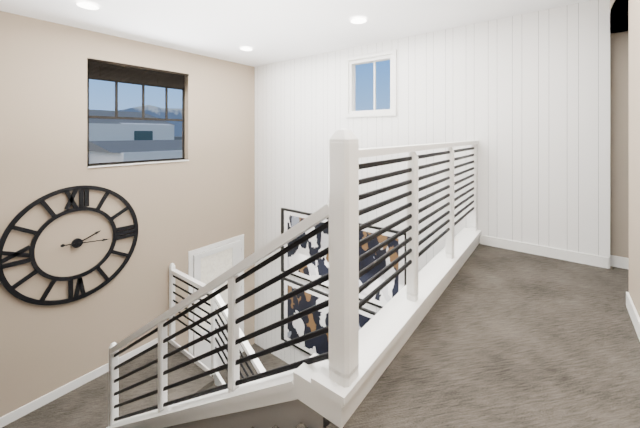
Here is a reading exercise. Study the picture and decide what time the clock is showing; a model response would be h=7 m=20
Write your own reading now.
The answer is h=2 m=16
